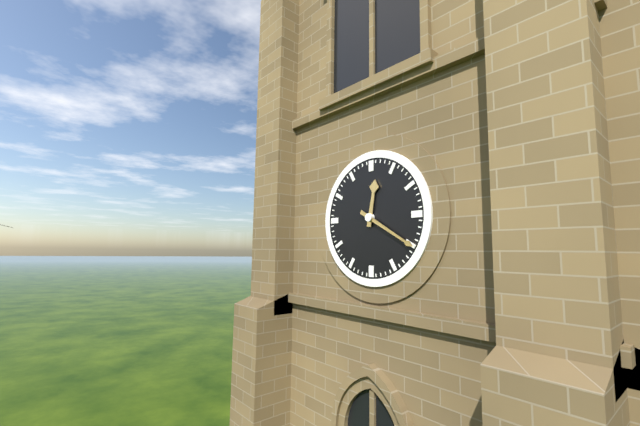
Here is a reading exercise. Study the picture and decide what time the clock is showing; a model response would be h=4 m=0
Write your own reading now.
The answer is h=12 m=20
